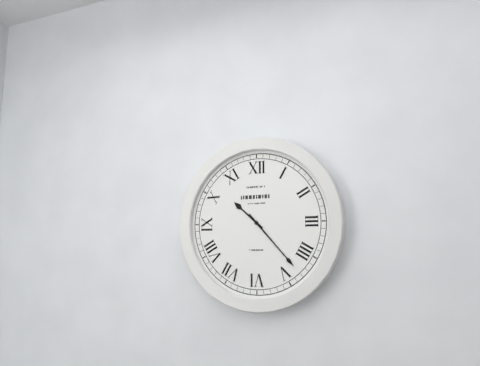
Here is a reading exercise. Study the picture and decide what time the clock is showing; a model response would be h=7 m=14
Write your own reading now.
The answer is h=10 m=23
